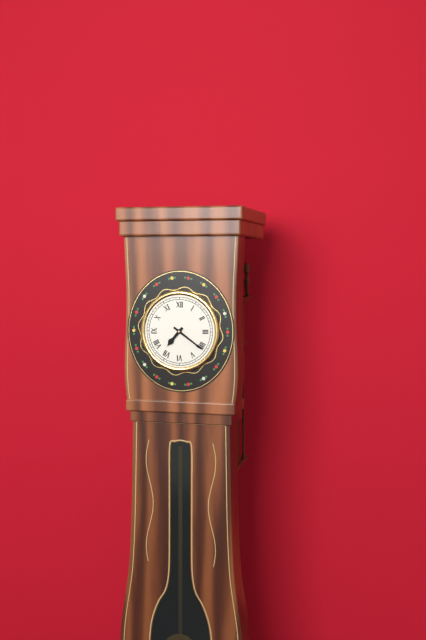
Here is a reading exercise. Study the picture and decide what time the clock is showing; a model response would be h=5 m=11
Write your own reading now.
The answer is h=7 m=21
